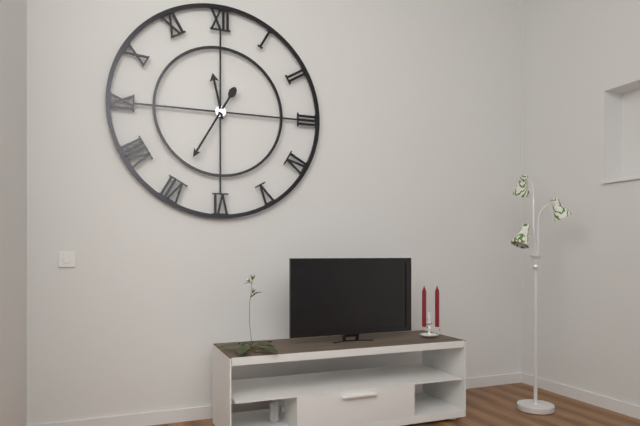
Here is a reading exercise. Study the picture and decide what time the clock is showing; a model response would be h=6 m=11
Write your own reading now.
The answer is h=11 m=35
